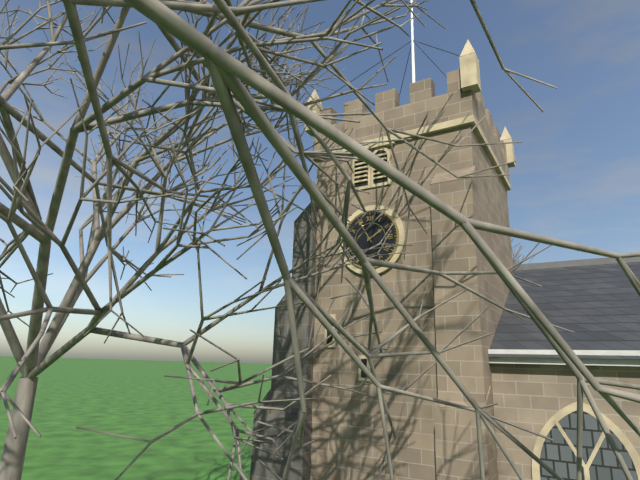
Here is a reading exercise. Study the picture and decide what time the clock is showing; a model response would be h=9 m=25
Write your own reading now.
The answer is h=1 m=55
